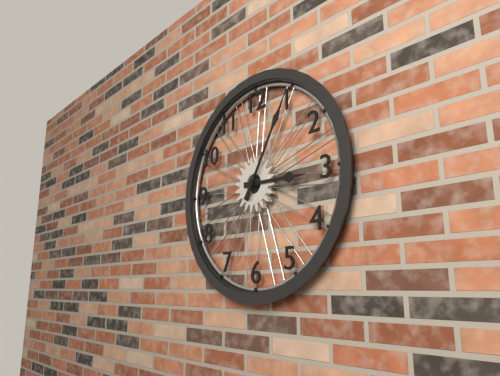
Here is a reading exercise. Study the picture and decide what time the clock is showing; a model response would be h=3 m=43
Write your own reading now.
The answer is h=3 m=5
